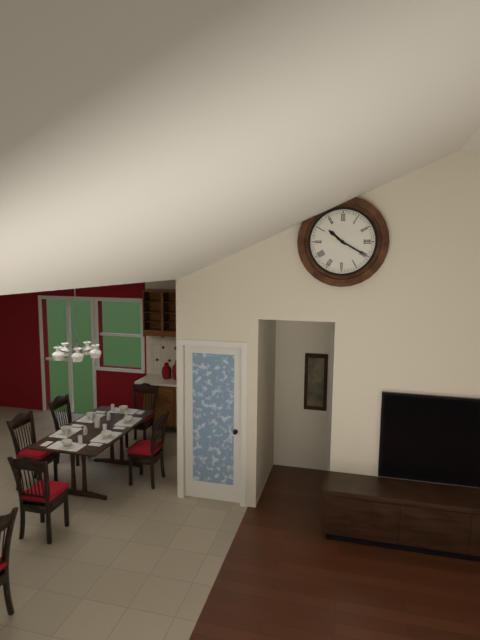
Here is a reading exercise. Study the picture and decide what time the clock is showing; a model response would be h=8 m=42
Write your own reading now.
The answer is h=10 m=20
